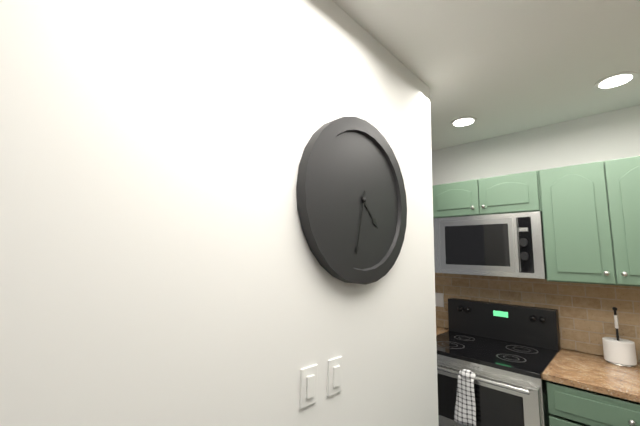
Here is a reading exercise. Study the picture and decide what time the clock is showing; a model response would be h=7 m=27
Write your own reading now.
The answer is h=4 m=32
